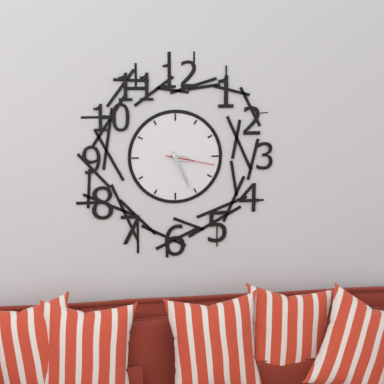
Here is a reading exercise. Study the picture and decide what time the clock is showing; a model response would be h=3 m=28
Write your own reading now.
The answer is h=3 m=26
